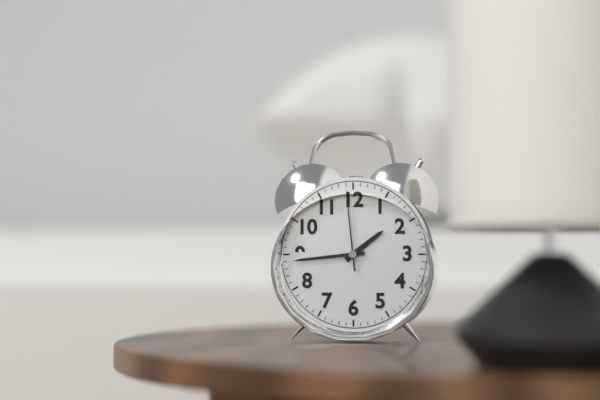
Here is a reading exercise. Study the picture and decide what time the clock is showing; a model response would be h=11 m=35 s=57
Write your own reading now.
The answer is h=1 m=44 s=59
